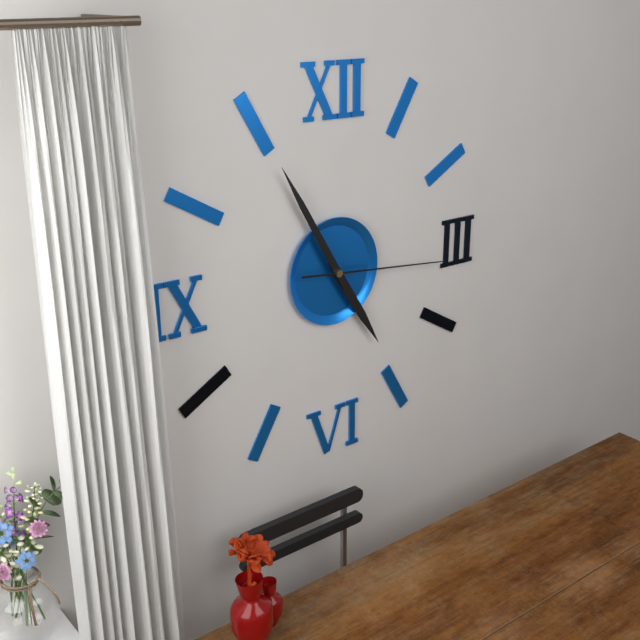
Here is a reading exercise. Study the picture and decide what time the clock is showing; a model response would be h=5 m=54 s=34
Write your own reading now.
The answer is h=4 m=55 s=16
